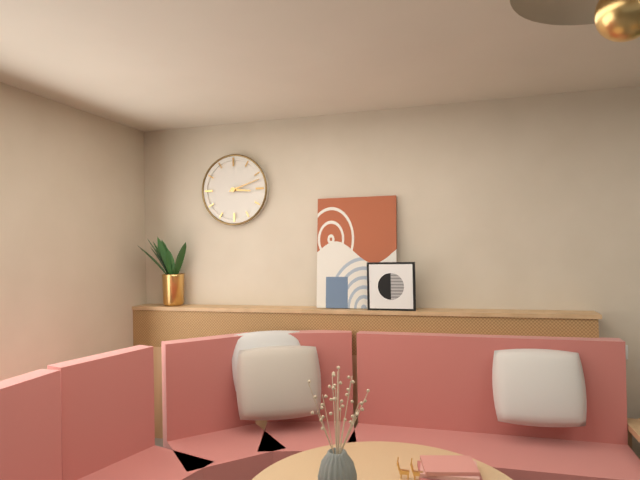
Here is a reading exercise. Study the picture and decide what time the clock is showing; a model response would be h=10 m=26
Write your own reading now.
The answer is h=3 m=12
